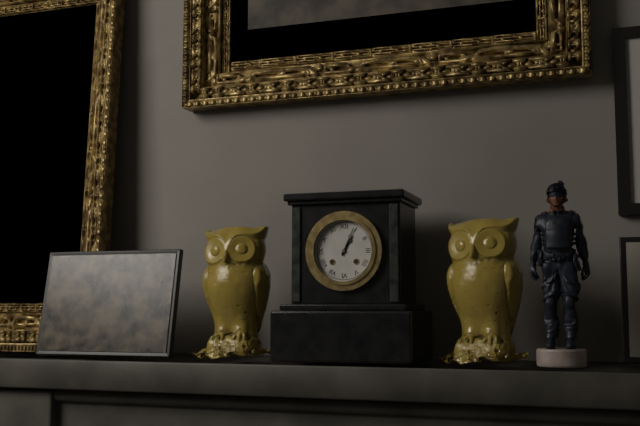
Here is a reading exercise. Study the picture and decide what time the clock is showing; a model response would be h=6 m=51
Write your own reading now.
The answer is h=1 m=4
